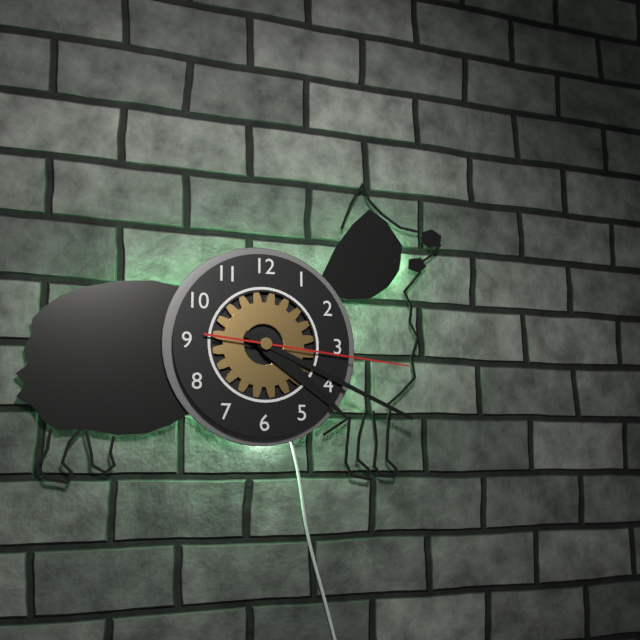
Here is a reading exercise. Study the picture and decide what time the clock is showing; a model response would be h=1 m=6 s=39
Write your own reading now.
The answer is h=4 m=19 s=16
